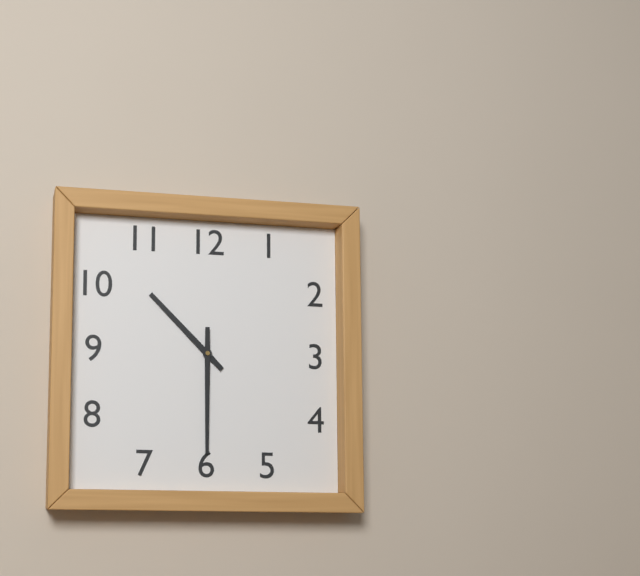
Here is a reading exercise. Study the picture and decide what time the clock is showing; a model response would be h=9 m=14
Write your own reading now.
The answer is h=10 m=30
